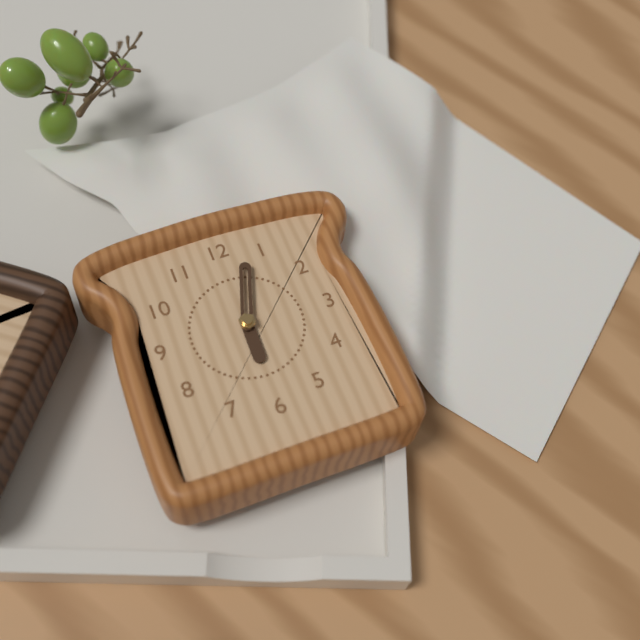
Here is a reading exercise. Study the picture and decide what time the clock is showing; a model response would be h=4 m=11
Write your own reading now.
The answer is h=6 m=3
